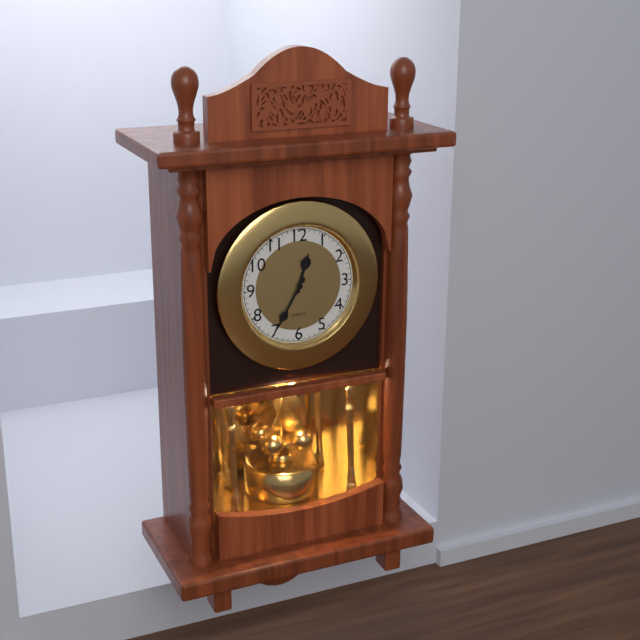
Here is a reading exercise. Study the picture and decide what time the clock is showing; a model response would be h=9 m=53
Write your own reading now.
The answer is h=12 m=35
